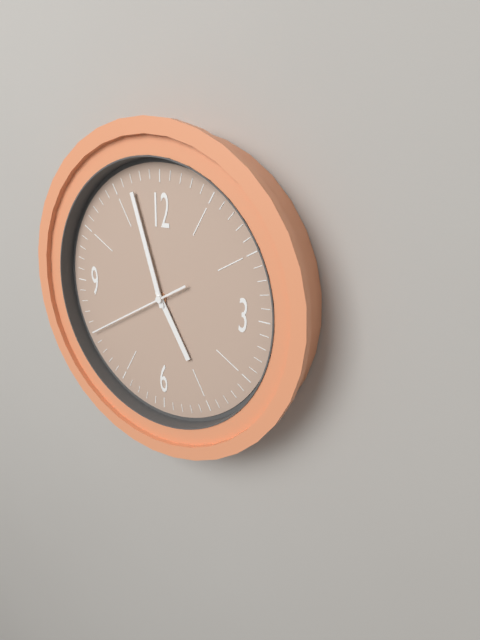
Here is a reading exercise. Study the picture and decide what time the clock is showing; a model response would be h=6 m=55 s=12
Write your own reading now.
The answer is h=4 m=57 s=40
